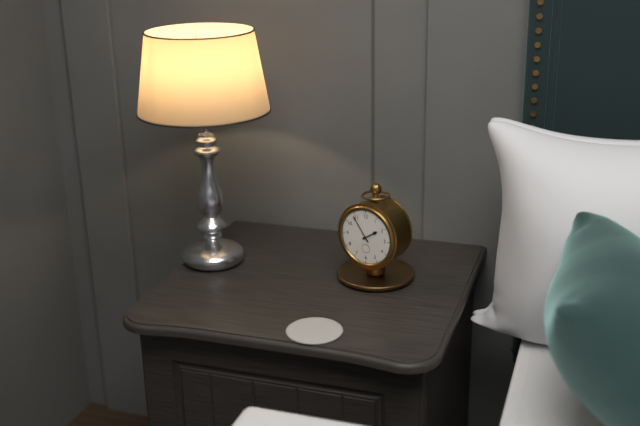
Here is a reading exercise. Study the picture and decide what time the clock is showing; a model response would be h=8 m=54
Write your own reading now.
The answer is h=1 m=54
